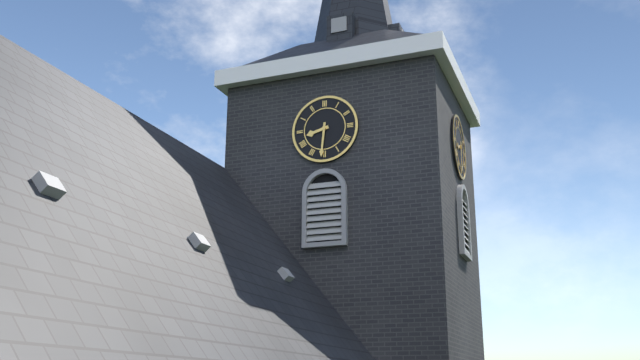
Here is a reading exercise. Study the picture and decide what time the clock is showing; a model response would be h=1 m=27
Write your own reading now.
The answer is h=8 m=31
